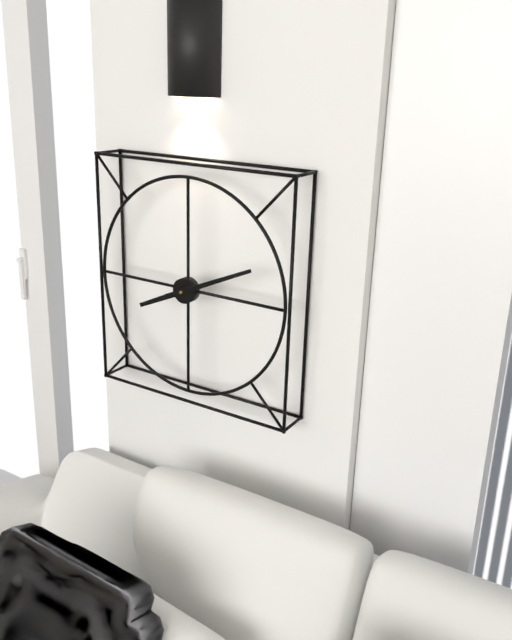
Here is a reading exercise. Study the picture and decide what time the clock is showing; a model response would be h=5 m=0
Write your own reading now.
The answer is h=8 m=11
